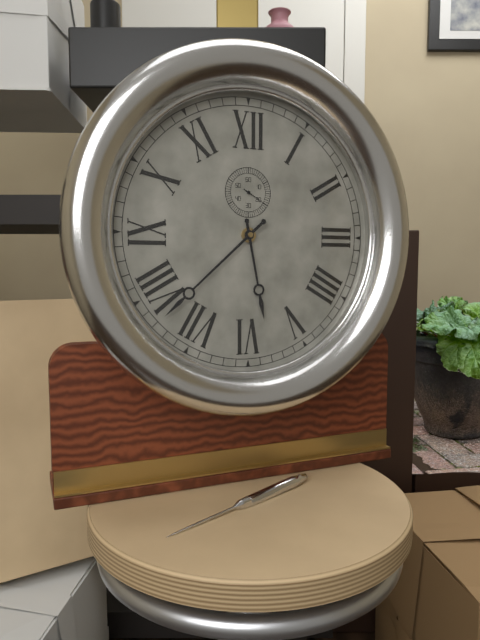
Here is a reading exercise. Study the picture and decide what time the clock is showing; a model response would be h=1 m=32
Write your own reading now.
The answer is h=5 m=38
